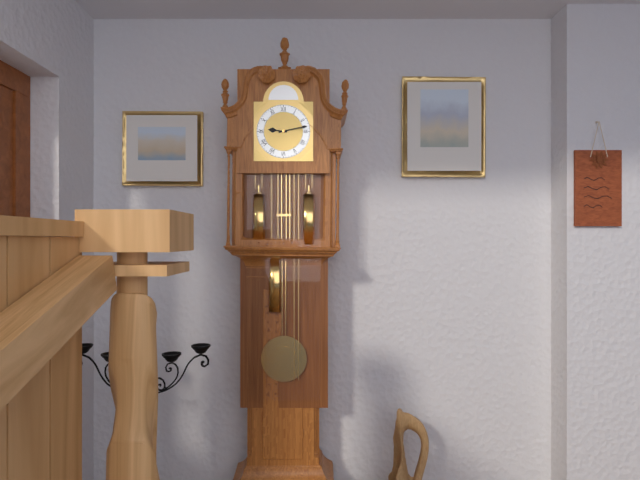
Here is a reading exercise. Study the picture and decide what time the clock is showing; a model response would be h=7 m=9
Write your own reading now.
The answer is h=9 m=13
